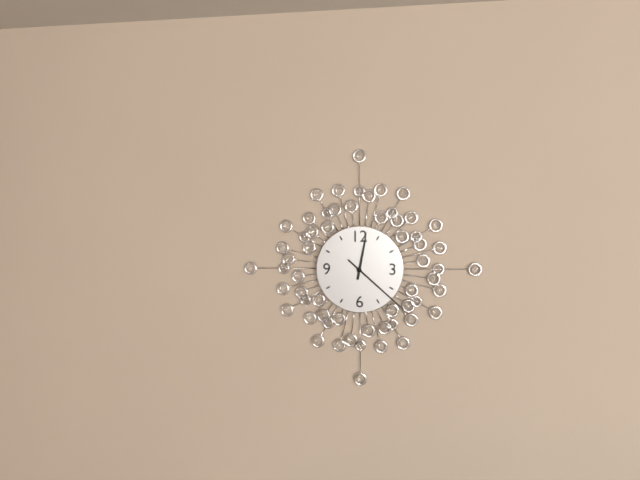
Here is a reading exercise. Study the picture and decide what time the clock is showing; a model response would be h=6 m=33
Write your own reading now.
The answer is h=12 m=22
